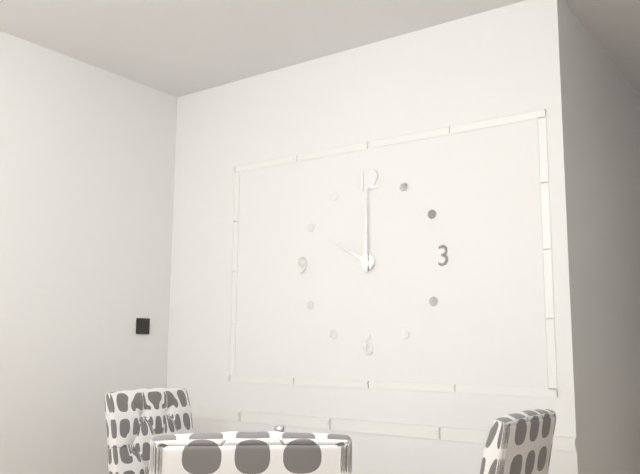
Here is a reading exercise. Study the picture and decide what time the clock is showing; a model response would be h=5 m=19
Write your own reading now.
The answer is h=10 m=0
